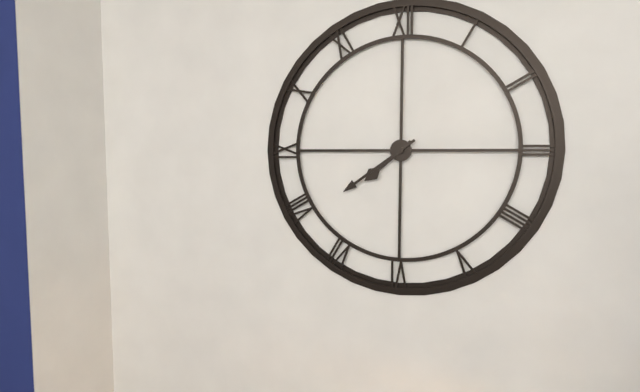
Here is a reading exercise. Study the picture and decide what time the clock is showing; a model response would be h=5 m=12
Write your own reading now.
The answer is h=7 m=39
